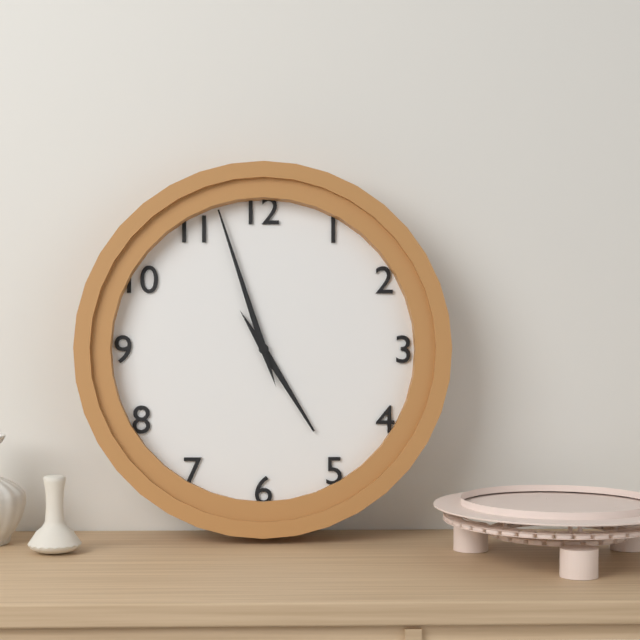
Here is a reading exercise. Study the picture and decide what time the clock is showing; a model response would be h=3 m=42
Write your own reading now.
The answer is h=4 m=57
